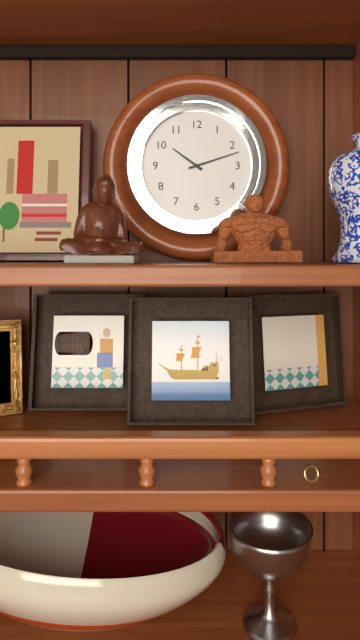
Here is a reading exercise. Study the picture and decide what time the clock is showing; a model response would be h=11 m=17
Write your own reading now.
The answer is h=10 m=12
